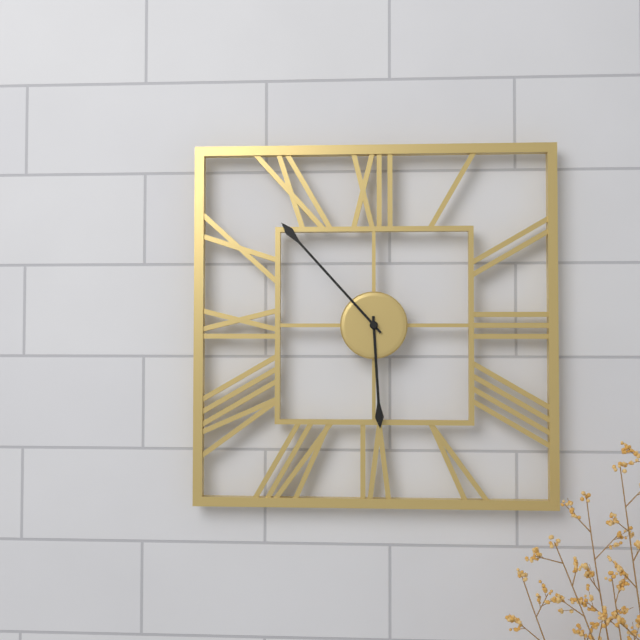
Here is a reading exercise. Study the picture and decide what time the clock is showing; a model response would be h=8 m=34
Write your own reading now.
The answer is h=5 m=53
